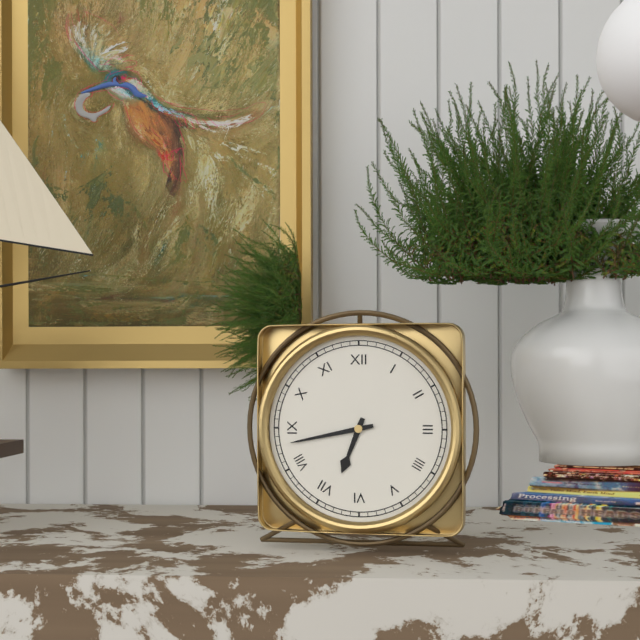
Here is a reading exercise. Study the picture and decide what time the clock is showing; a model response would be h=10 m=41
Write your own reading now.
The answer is h=6 m=43
